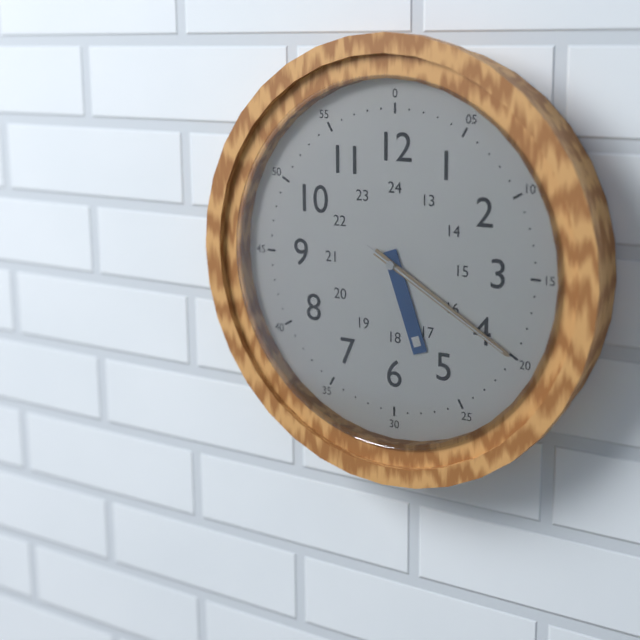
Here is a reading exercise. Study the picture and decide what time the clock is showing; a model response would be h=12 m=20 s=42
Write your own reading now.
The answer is h=5 m=20 s=20
